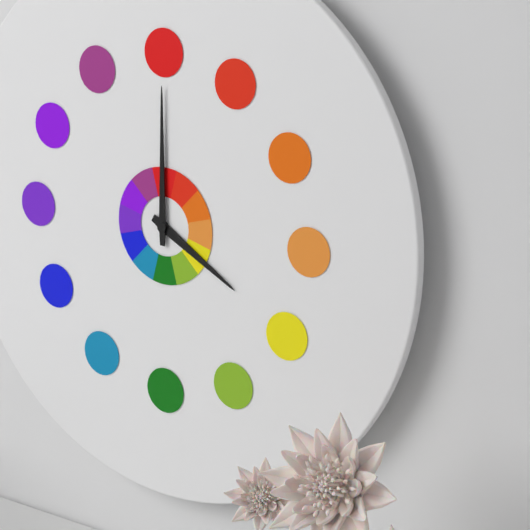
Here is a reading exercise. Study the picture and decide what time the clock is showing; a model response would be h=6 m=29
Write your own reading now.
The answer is h=4 m=0
